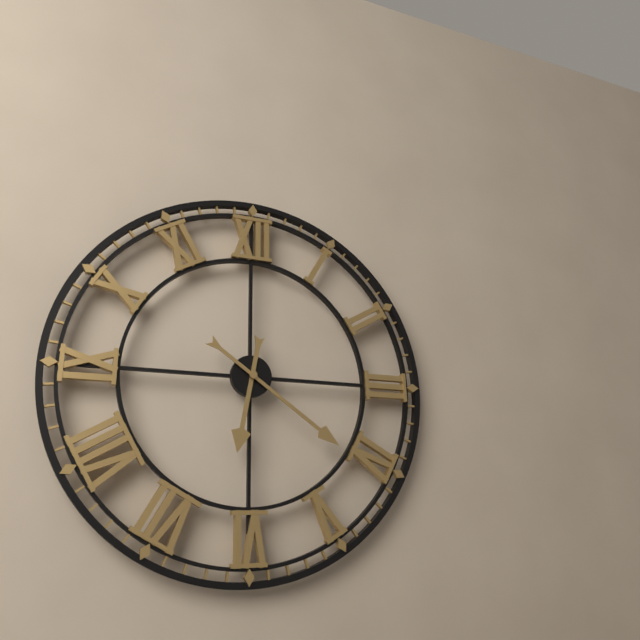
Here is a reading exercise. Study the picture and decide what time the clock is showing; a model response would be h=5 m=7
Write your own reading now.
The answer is h=6 m=21
